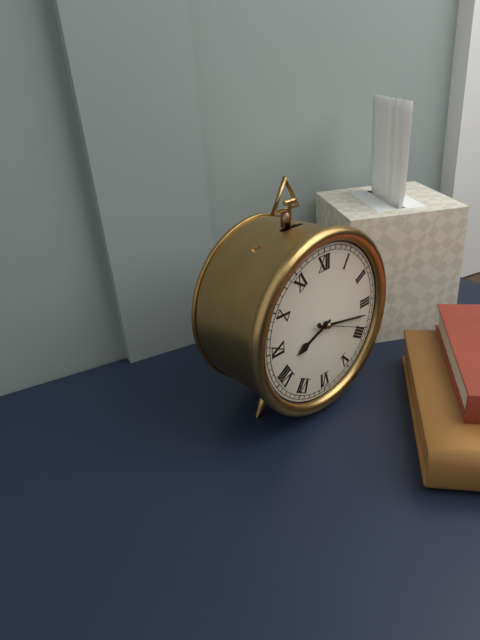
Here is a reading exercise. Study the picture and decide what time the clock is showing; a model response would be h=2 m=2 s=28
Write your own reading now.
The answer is h=8 m=17 s=19
